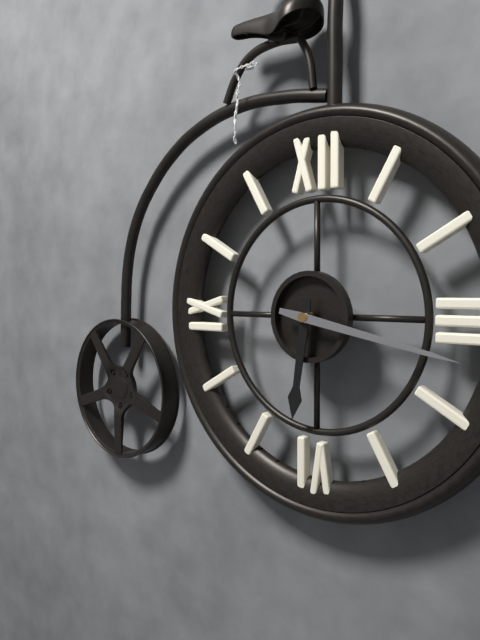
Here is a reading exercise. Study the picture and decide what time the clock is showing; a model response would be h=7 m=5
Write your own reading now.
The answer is h=6 m=17
